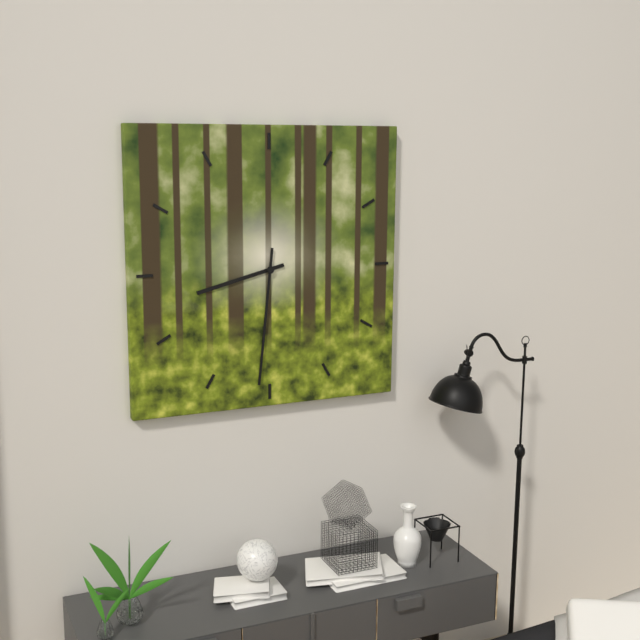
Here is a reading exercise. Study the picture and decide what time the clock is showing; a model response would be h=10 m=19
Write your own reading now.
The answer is h=8 m=31
